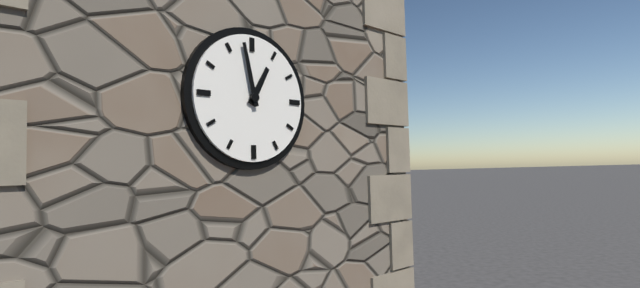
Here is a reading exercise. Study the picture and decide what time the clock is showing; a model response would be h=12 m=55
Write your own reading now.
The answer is h=12 m=58
